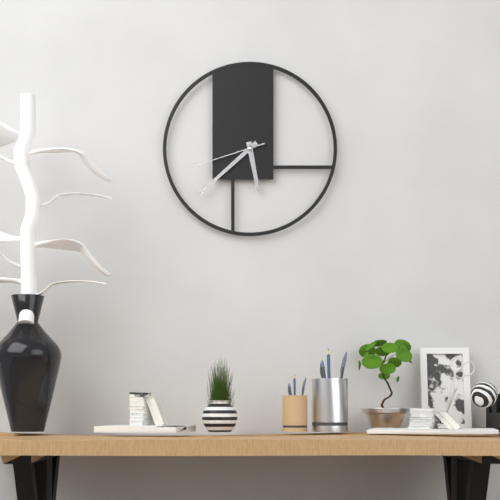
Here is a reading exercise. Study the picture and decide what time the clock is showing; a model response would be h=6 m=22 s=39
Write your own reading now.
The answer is h=5 m=38 s=42
